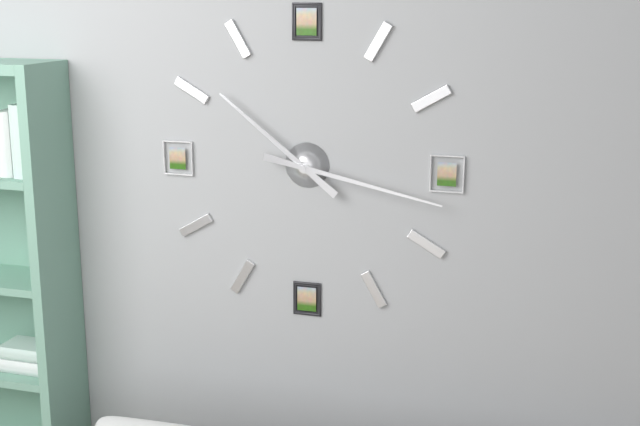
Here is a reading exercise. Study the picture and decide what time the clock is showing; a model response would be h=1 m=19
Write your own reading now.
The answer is h=10 m=17
